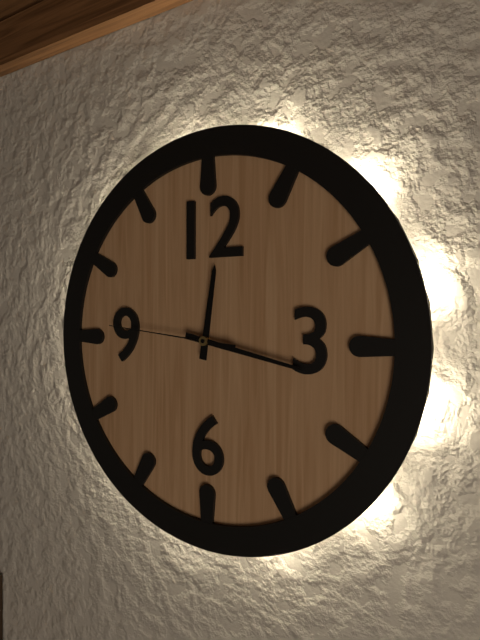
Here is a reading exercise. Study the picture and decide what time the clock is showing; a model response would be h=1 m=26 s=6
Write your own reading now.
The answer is h=12 m=17 s=46
